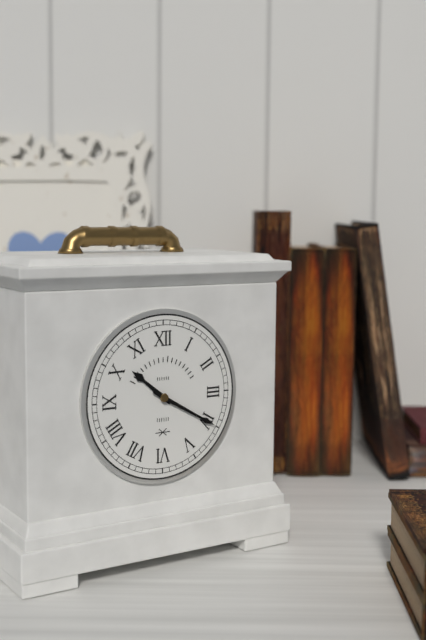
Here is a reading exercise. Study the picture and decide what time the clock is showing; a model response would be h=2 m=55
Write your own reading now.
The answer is h=10 m=20
